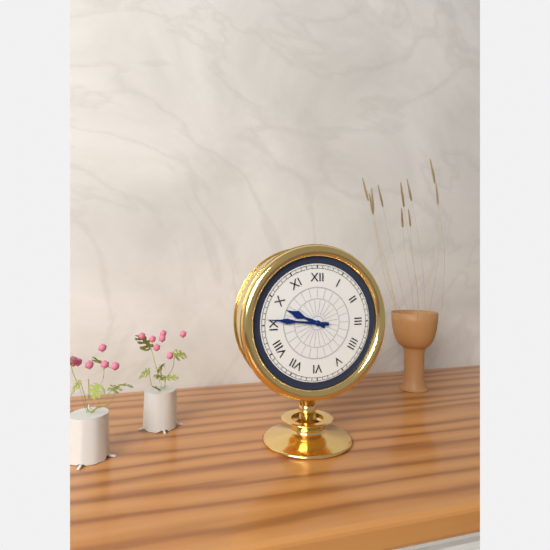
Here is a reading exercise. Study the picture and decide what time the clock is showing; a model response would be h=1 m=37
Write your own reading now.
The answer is h=9 m=46
